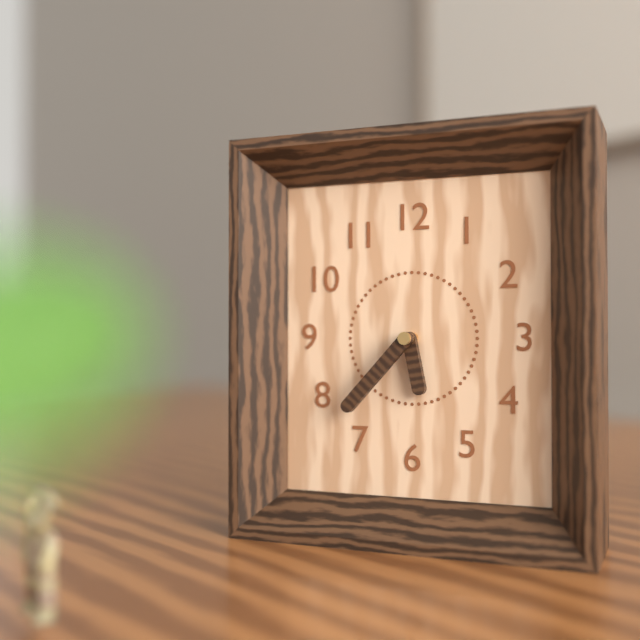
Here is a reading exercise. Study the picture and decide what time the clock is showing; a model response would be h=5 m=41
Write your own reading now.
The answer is h=5 m=37
